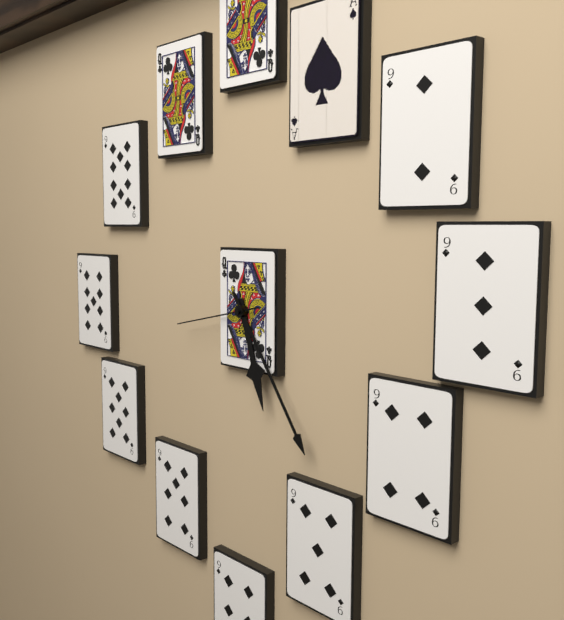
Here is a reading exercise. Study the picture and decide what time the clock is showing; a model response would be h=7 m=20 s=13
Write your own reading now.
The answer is h=5 m=24 s=43
